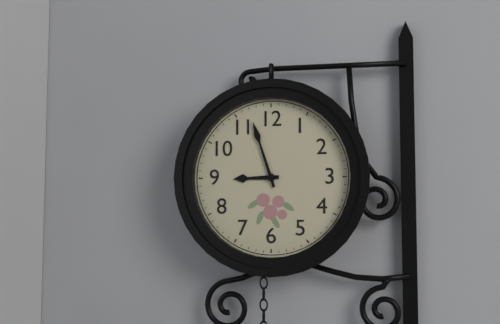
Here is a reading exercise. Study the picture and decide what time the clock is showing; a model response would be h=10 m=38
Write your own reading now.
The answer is h=8 m=57
